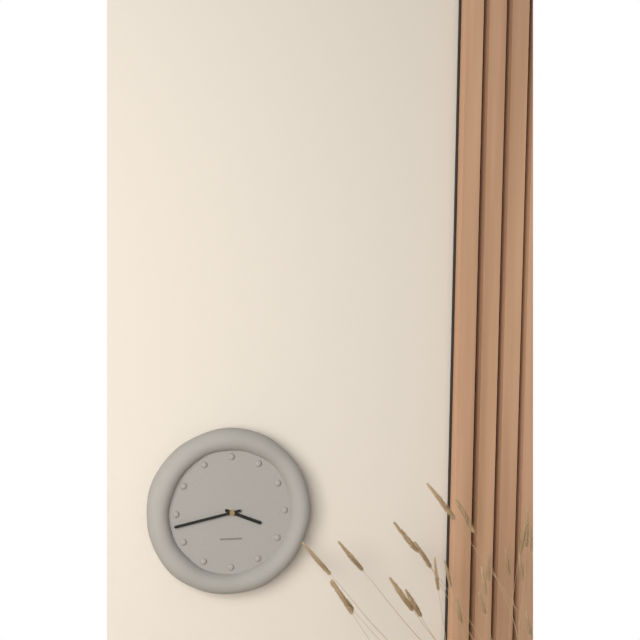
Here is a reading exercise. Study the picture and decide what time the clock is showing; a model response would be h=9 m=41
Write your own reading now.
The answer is h=3 m=43
